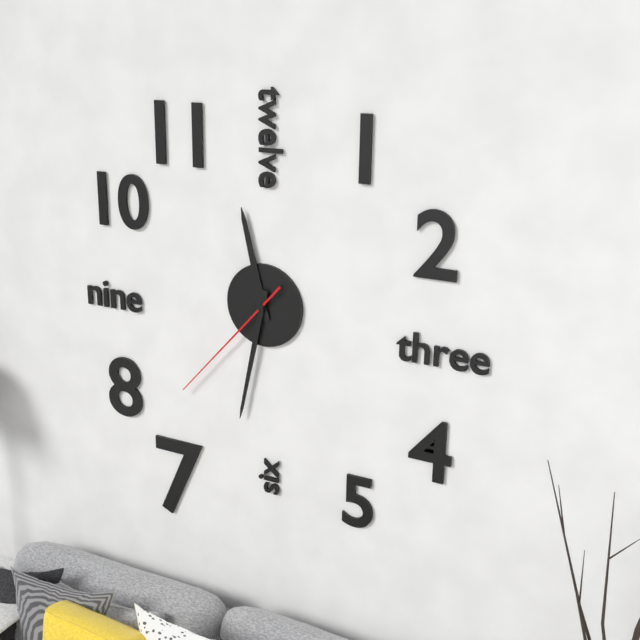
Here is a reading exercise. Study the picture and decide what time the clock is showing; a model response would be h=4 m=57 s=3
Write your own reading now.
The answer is h=11 m=32 s=37
